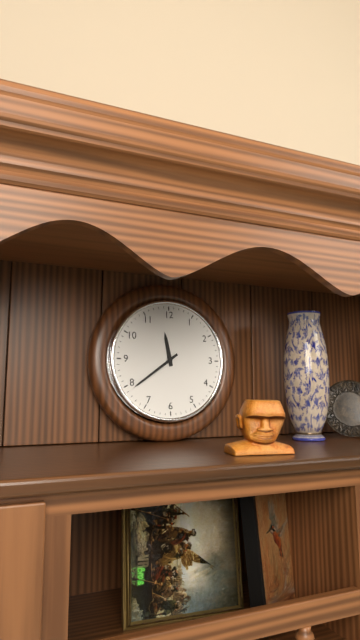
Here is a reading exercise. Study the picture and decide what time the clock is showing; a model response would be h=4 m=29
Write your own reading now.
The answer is h=11 m=39
